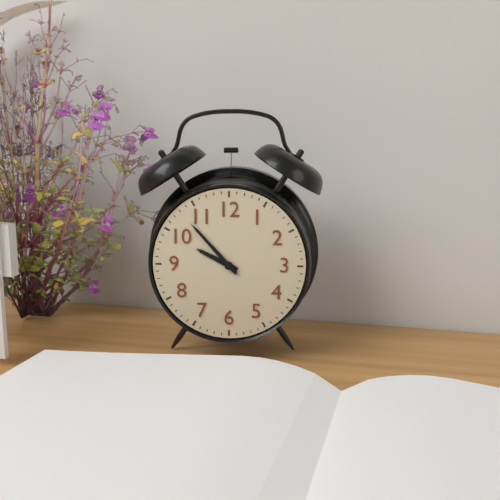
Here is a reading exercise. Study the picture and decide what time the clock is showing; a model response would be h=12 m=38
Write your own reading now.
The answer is h=9 m=53
